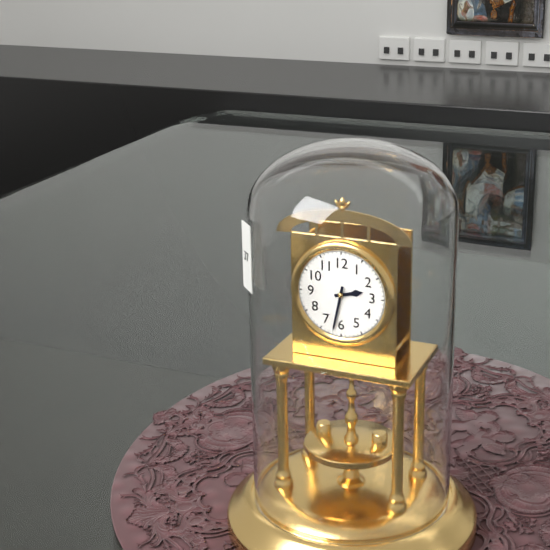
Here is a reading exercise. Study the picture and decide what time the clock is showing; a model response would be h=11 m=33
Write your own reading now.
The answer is h=2 m=32
